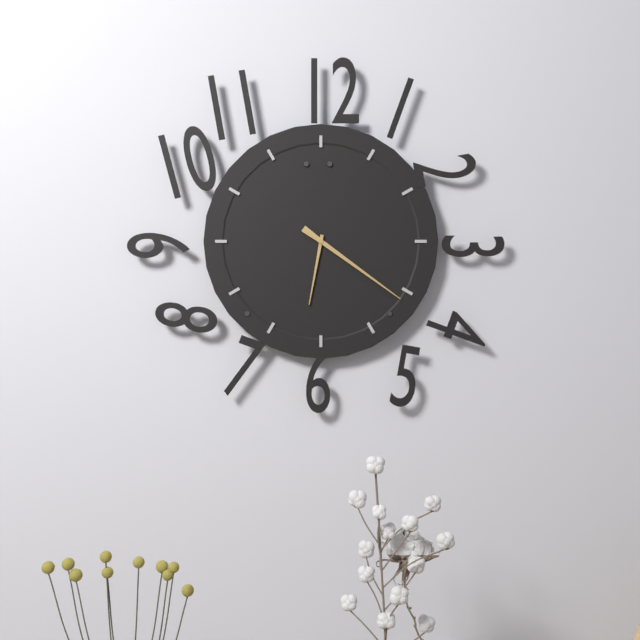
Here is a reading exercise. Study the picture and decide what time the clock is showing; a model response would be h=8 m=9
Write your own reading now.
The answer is h=6 m=21
